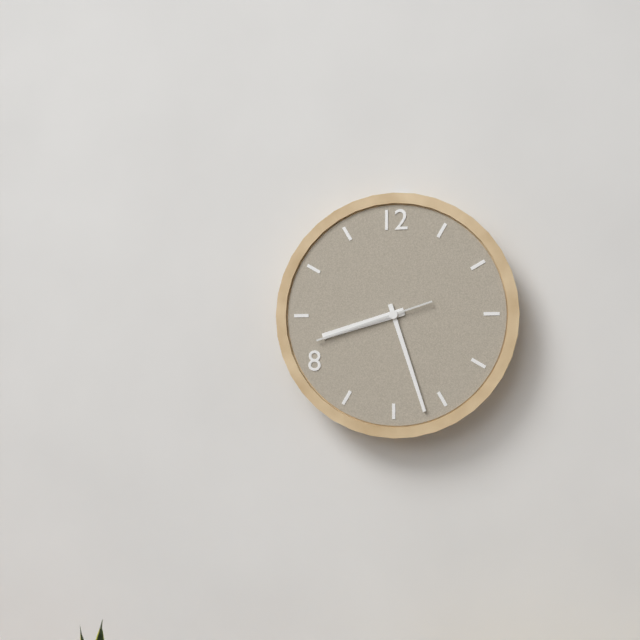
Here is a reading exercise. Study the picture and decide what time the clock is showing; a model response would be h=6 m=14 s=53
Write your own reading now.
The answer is h=8 m=27 s=42
